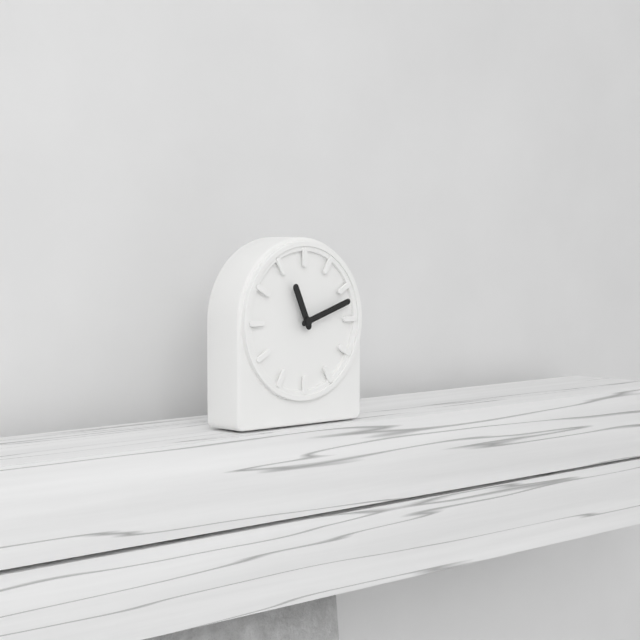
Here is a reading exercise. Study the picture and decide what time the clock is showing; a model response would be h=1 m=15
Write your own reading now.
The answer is h=11 m=12
